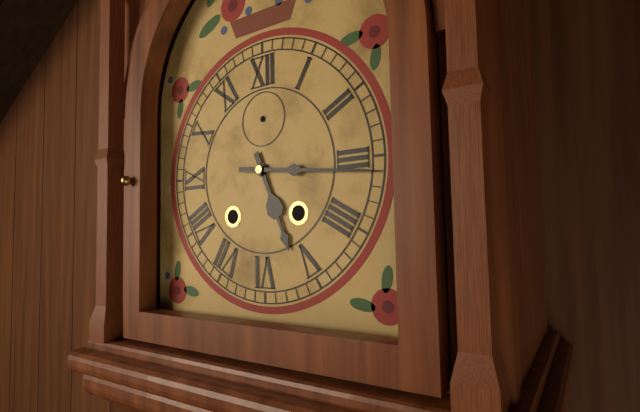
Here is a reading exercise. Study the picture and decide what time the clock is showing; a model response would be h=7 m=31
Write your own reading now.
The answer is h=5 m=16
